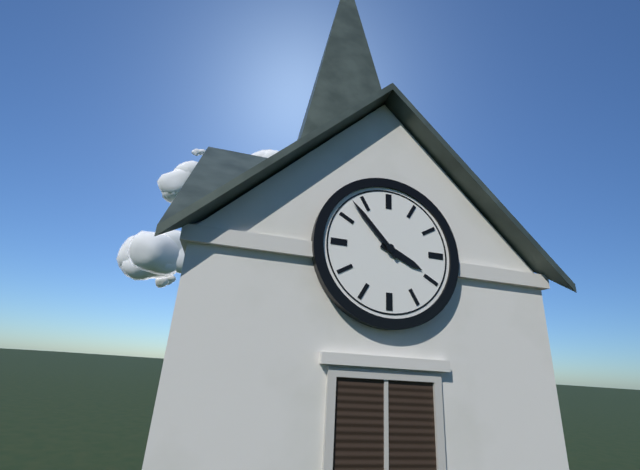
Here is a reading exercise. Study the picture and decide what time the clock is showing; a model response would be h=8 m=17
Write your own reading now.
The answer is h=3 m=53
